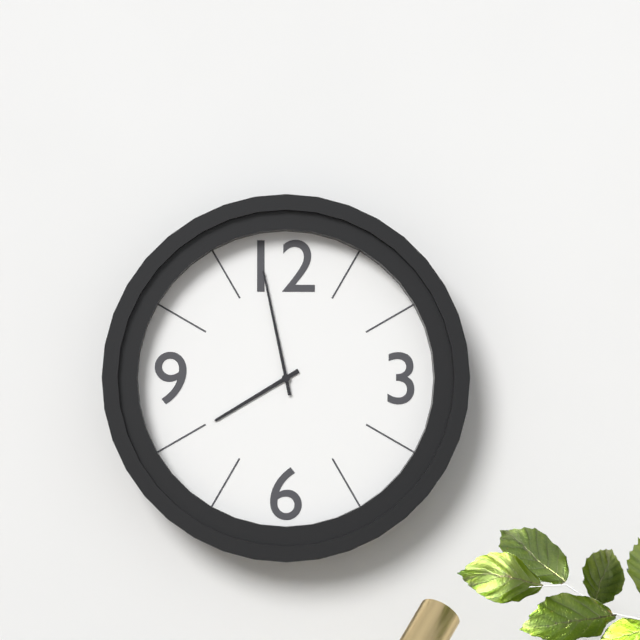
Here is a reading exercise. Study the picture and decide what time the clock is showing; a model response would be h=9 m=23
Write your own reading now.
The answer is h=7 m=58
